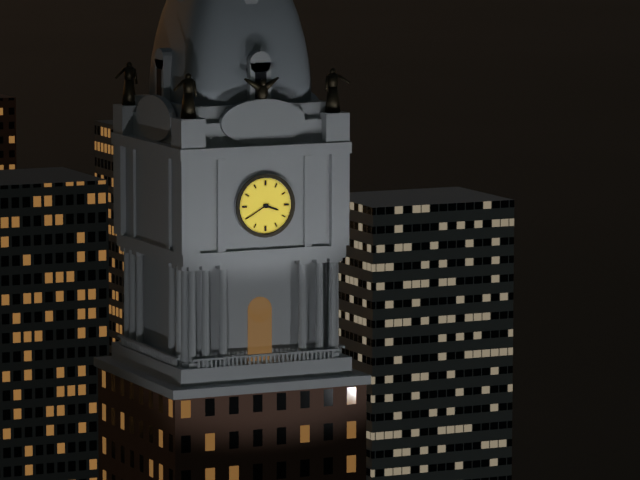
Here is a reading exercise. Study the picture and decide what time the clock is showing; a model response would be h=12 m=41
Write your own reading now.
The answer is h=3 m=40
